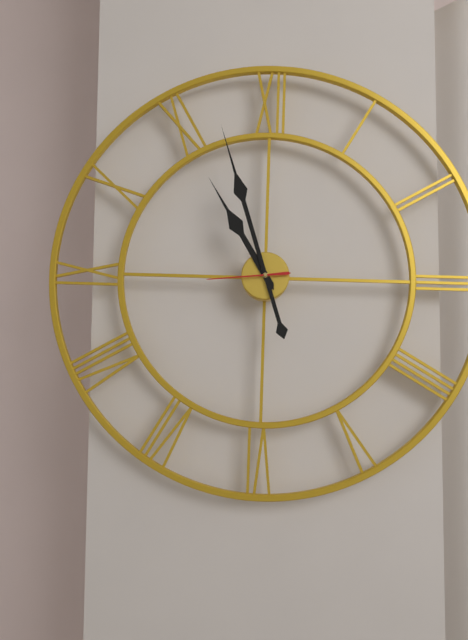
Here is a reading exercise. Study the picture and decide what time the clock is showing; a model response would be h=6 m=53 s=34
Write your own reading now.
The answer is h=10 m=57 s=44
